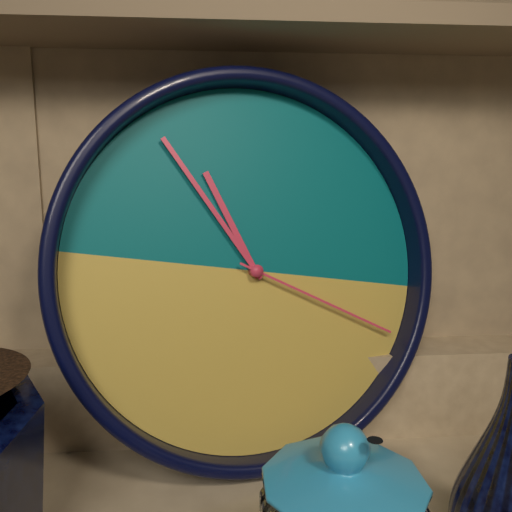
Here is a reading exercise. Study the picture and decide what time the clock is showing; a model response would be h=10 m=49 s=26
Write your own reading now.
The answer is h=10 m=53 s=18
